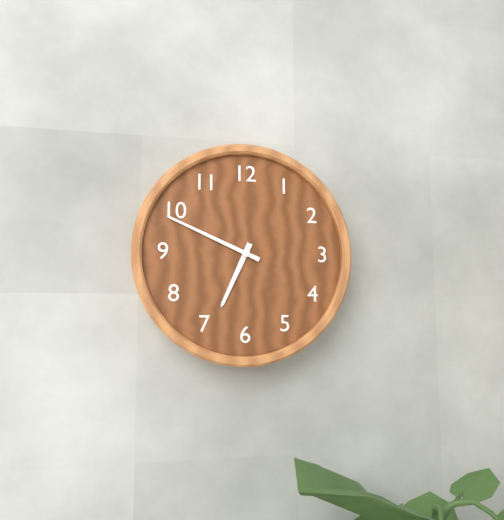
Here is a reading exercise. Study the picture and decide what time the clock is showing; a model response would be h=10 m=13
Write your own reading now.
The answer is h=6 m=49
